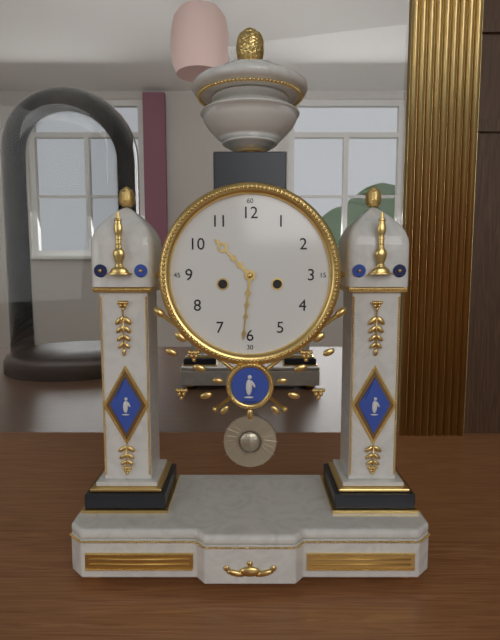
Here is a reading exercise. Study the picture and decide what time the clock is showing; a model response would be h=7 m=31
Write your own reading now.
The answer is h=10 m=31
